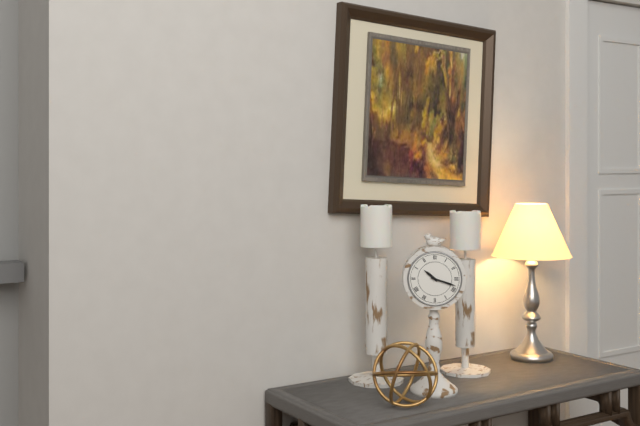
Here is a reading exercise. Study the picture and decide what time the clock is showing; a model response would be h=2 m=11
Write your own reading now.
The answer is h=10 m=18
